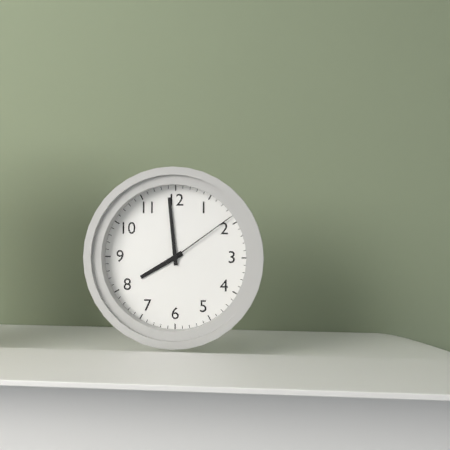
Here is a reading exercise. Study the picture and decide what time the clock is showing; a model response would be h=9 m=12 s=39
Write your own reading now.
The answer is h=7 m=59 s=9
